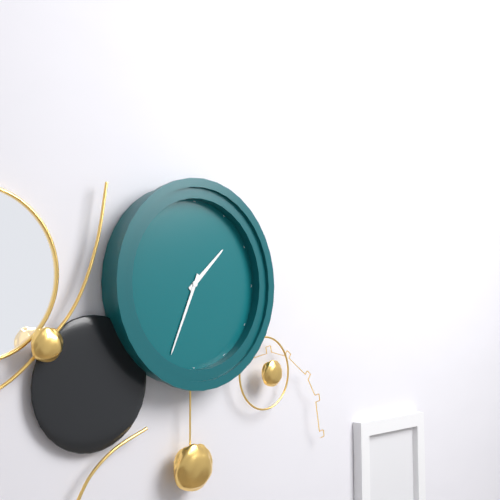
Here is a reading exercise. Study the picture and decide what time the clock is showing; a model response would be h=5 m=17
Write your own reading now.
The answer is h=1 m=34
